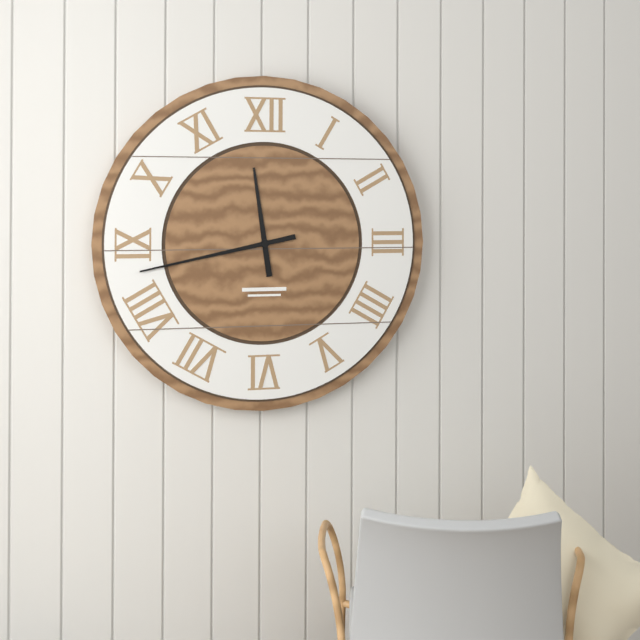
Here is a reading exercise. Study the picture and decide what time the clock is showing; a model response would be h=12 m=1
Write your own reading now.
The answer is h=11 m=43
